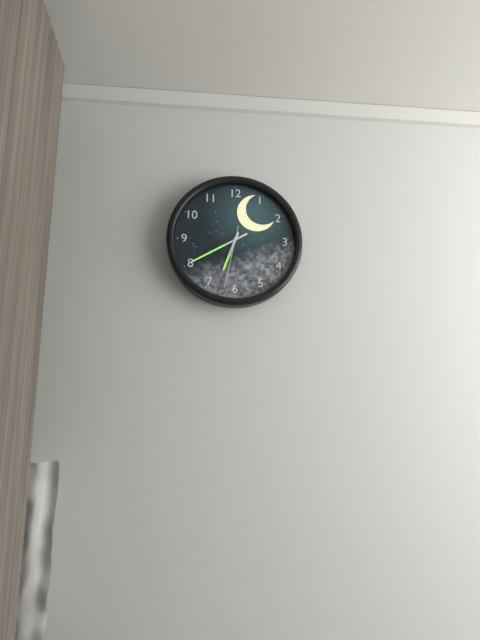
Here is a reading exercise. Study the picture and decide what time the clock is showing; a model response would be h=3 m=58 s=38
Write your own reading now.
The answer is h=6 m=40 s=32
